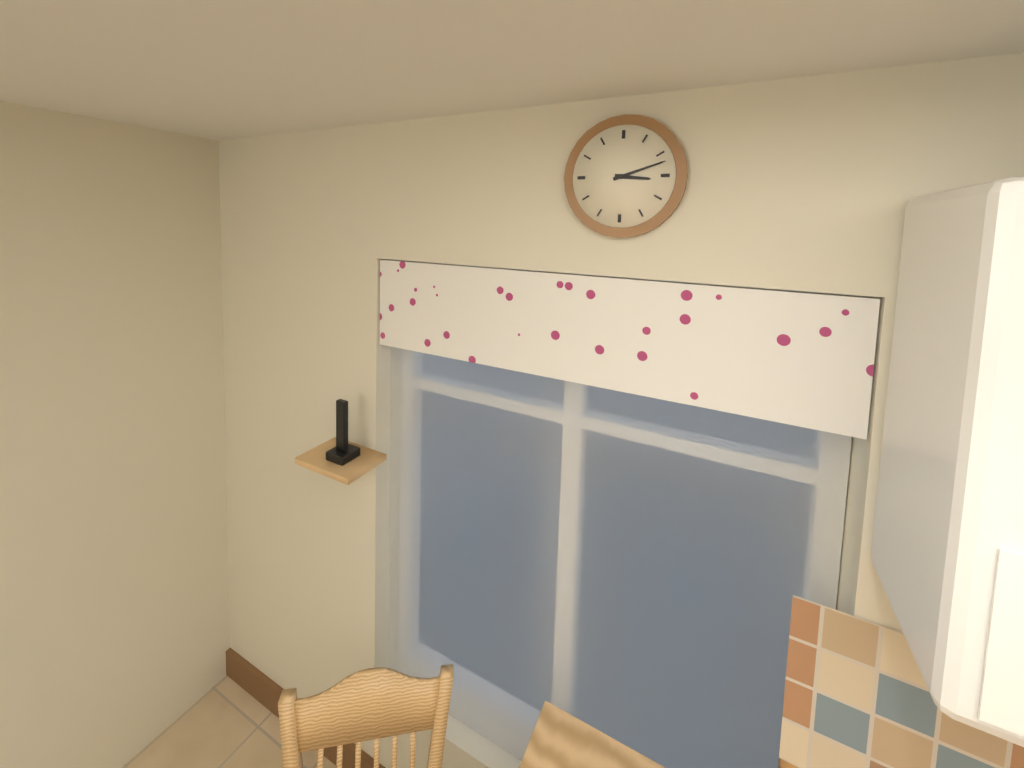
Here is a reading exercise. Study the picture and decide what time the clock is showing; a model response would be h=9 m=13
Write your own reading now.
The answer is h=3 m=12
